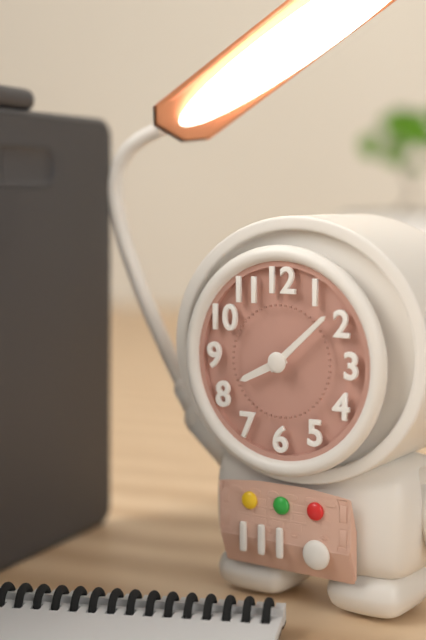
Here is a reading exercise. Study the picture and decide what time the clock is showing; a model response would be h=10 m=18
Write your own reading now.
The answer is h=8 m=8
